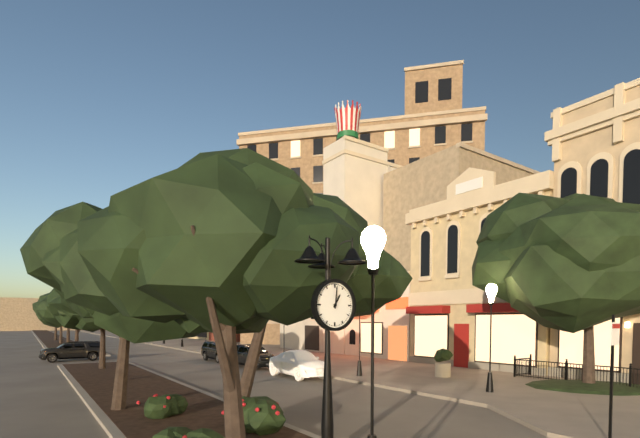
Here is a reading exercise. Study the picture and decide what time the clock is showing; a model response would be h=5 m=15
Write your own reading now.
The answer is h=1 m=1
